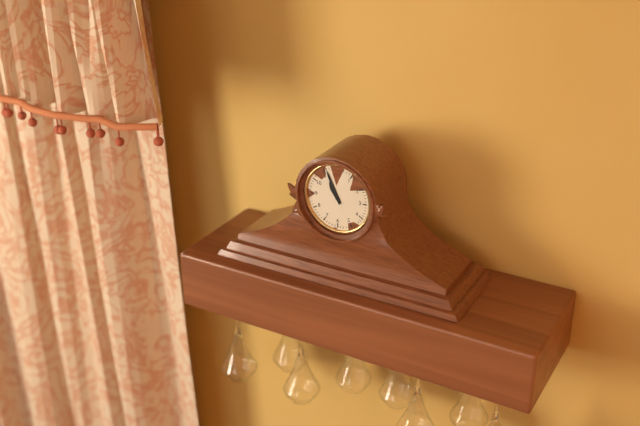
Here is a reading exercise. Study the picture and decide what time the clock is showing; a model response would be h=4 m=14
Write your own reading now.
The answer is h=10 m=56
